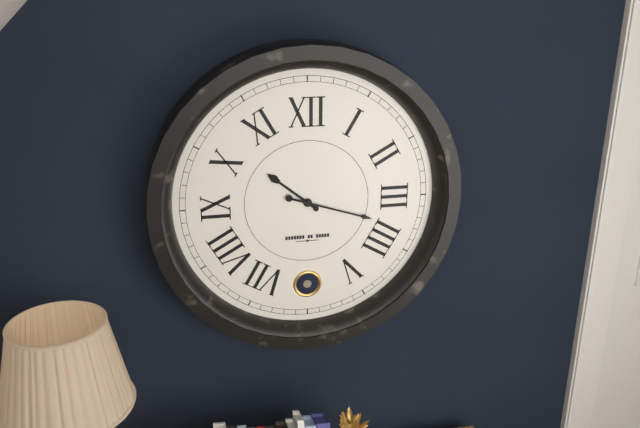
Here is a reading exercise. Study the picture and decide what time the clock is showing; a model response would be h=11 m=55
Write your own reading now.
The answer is h=10 m=18
